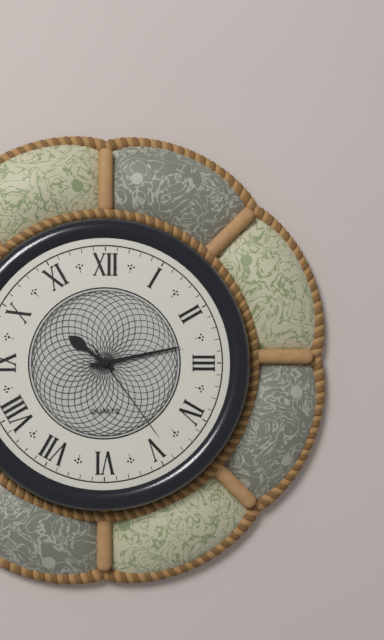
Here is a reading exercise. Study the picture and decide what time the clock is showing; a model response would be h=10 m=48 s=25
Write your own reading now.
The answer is h=10 m=13 s=24
